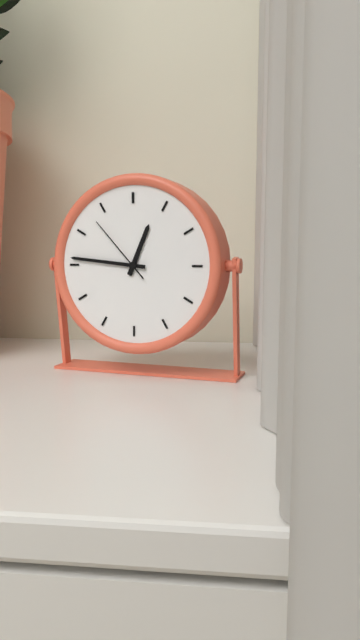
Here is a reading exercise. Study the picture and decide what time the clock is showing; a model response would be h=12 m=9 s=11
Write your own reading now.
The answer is h=12 m=46 s=53
